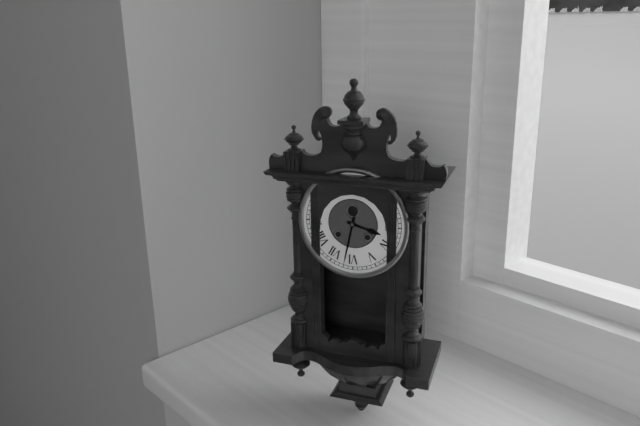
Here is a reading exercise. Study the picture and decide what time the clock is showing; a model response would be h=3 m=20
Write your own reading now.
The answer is h=3 m=32
